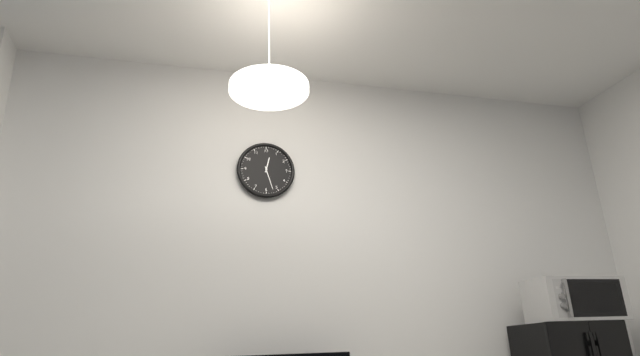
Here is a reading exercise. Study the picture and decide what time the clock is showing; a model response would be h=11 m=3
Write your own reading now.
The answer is h=12 m=27
